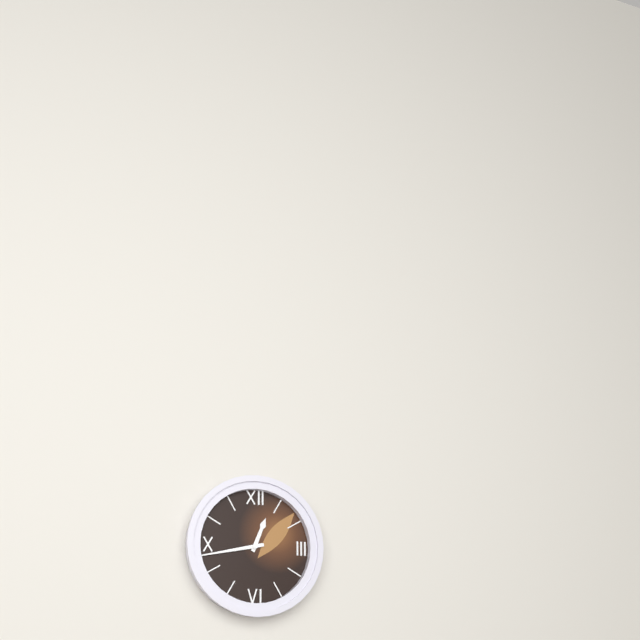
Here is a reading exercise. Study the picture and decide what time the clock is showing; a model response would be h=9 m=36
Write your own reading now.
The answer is h=12 m=43
